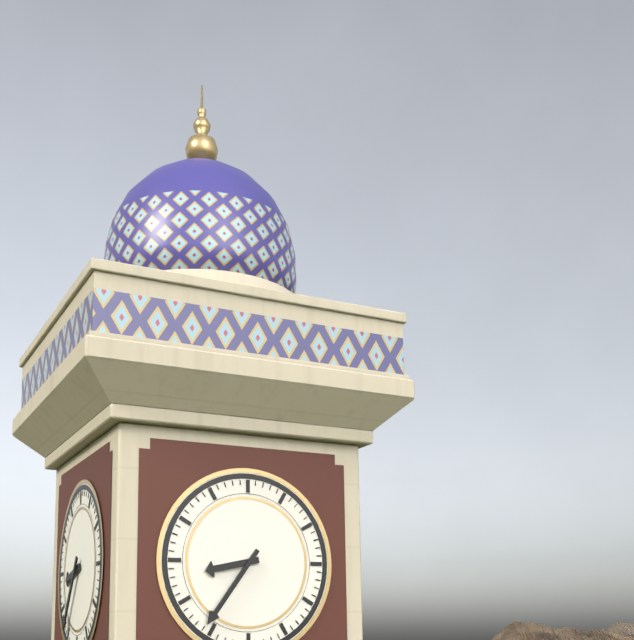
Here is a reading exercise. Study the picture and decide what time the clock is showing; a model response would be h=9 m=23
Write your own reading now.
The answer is h=8 m=36
